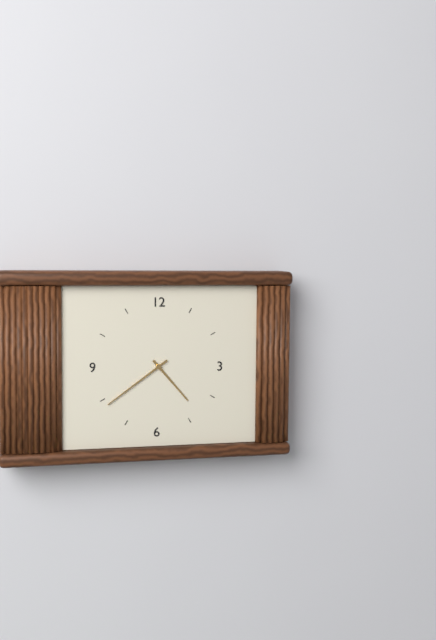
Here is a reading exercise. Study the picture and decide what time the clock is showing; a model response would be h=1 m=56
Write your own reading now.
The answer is h=4 m=39
